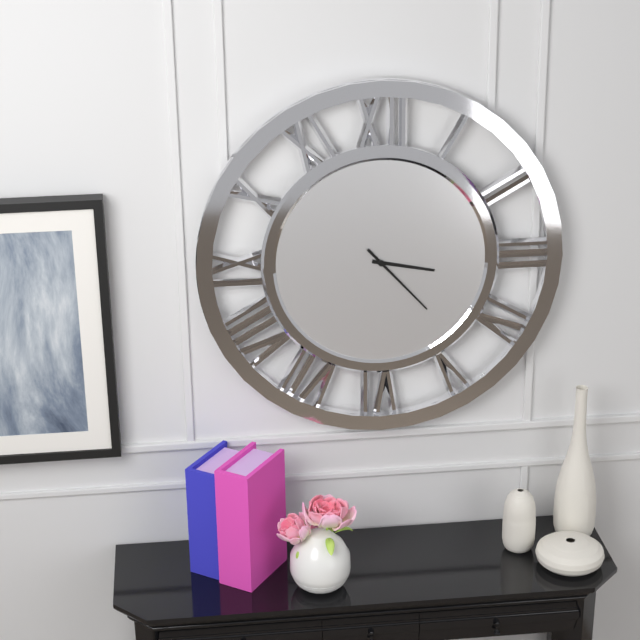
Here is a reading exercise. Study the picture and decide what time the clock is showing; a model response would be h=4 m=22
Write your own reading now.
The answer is h=3 m=23
